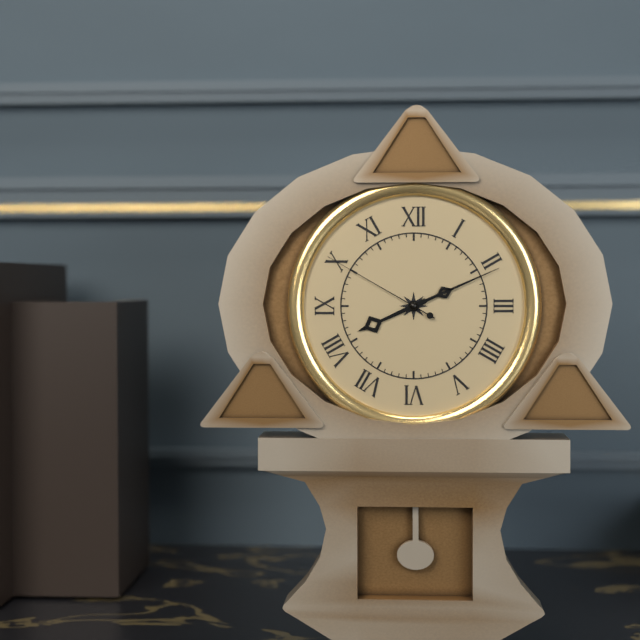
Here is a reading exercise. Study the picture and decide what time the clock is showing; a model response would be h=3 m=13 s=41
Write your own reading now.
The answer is h=8 m=11 s=50
